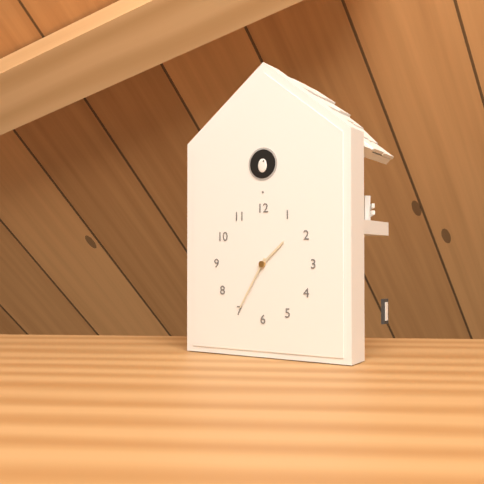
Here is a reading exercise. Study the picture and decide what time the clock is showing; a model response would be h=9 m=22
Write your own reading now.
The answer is h=1 m=35
